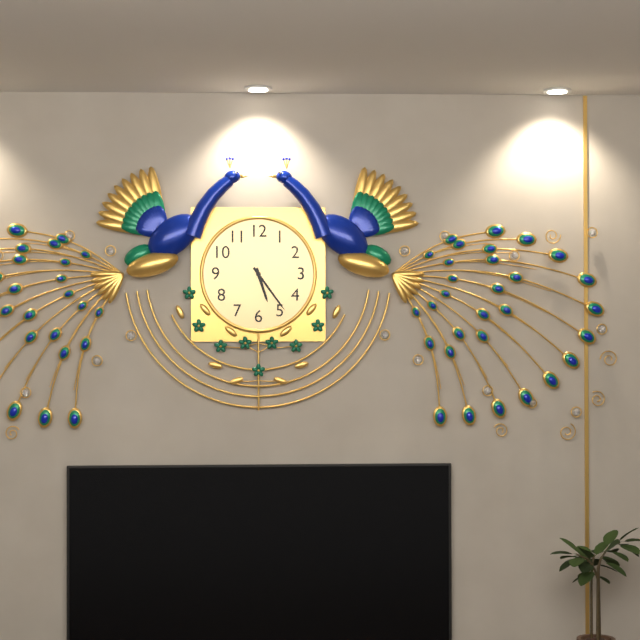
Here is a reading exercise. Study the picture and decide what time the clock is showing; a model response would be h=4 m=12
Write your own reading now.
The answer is h=5 m=24
